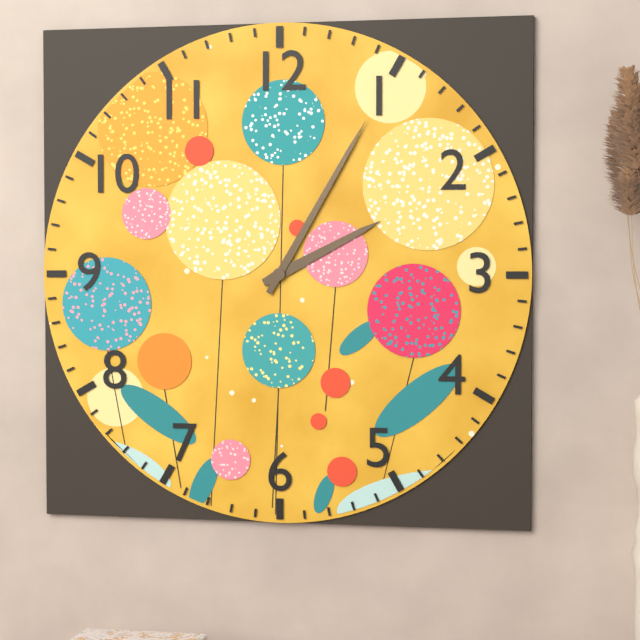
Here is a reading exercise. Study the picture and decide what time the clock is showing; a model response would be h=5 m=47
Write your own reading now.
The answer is h=2 m=5
